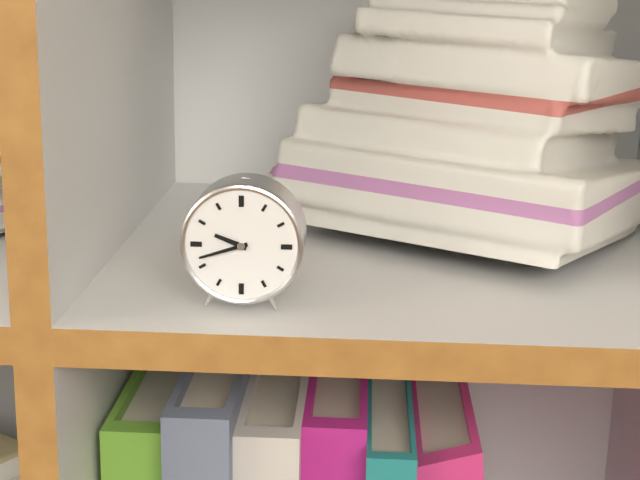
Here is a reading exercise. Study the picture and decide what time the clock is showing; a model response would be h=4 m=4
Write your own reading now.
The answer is h=9 m=42
